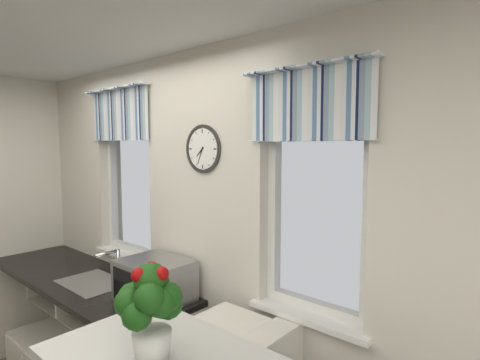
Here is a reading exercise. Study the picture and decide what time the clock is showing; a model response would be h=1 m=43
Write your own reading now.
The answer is h=7 m=34
